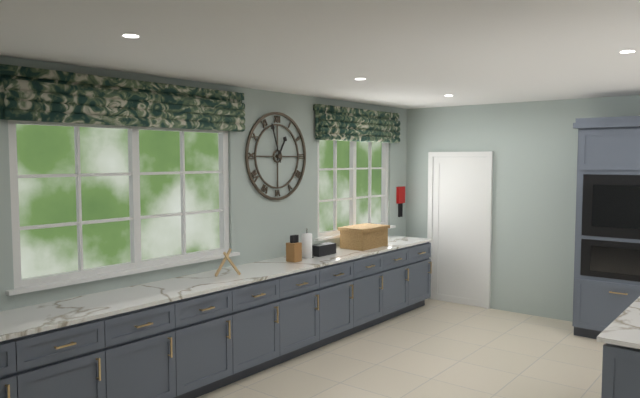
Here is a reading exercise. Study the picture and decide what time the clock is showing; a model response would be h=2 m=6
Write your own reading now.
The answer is h=12 m=57
